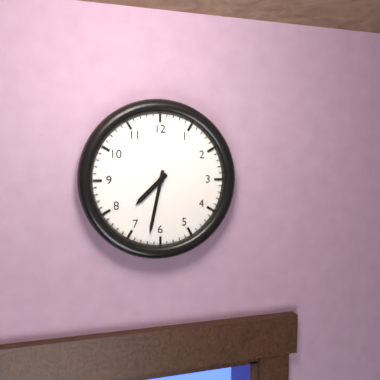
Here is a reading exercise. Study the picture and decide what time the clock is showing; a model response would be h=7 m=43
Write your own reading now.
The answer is h=7 m=32
